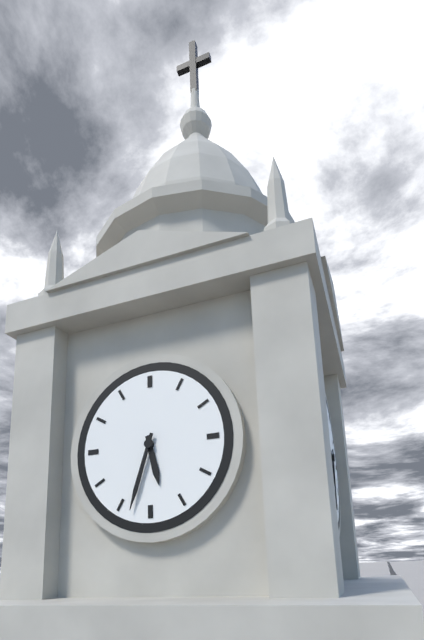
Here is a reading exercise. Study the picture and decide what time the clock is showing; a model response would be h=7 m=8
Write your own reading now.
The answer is h=5 m=33
